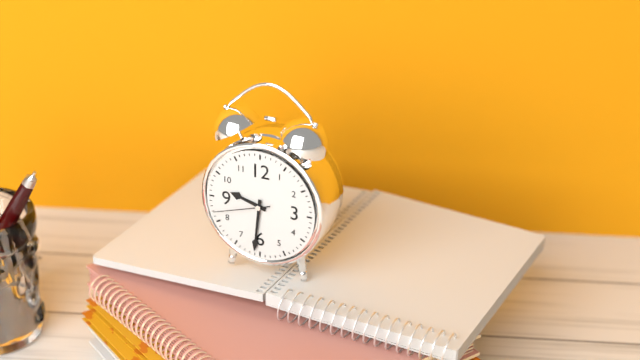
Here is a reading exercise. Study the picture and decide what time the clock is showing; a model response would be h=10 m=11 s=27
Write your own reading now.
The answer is h=9 m=31 s=42
